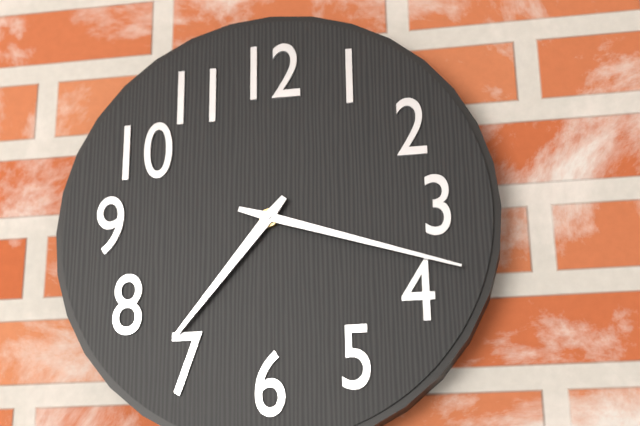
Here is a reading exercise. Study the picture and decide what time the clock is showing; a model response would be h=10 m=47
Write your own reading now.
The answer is h=7 m=18
